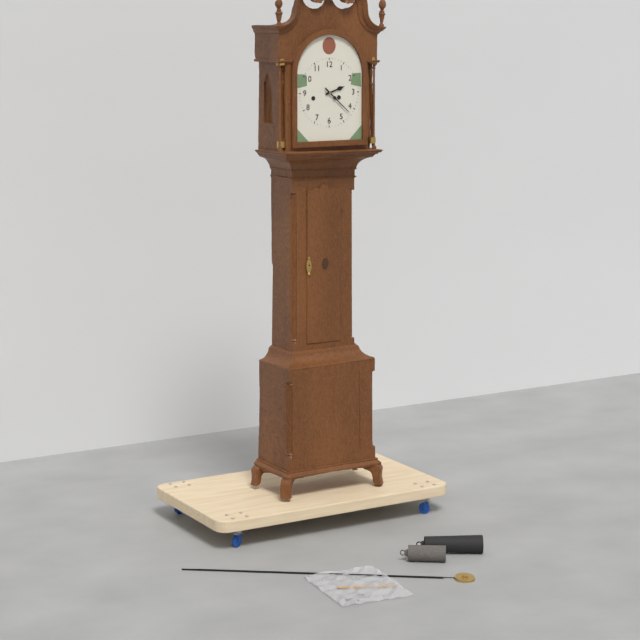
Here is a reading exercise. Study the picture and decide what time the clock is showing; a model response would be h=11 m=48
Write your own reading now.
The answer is h=2 m=22
